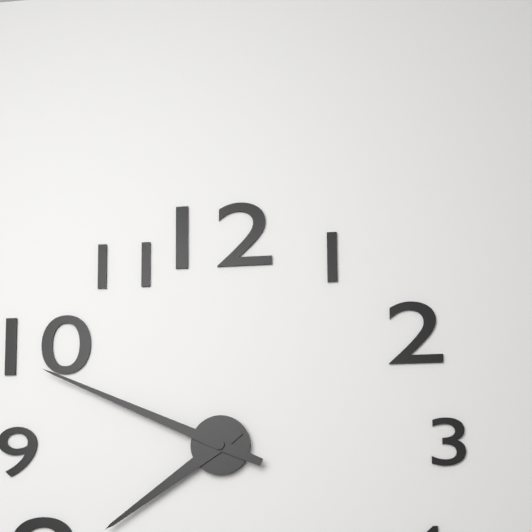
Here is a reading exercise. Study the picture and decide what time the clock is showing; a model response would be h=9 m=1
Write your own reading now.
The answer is h=7 m=49
